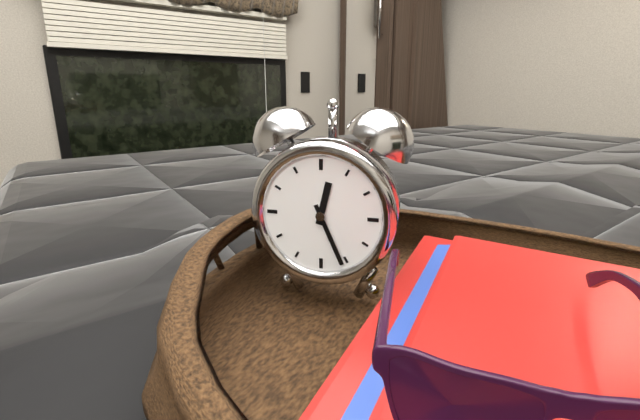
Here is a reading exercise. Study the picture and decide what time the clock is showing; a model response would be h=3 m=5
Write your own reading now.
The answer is h=12 m=26
